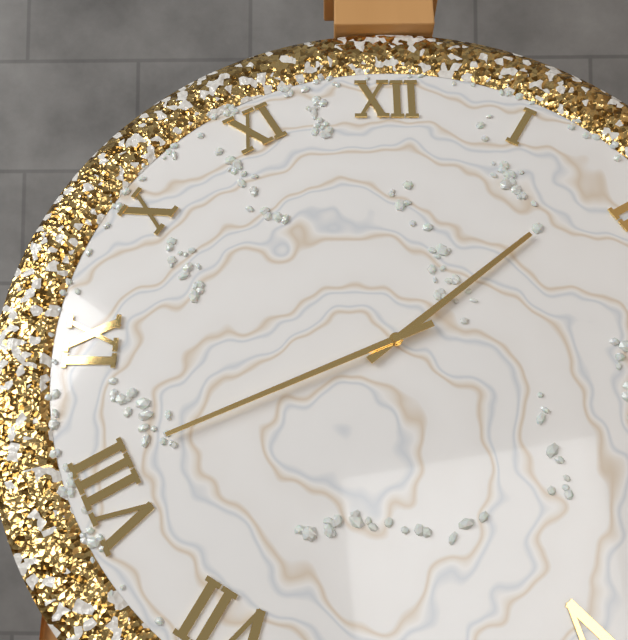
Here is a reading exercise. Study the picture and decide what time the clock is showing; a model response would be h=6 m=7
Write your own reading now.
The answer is h=1 m=41
